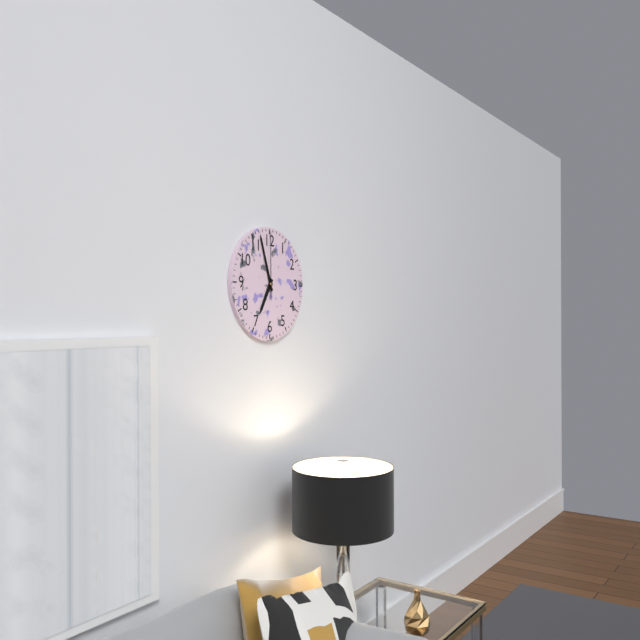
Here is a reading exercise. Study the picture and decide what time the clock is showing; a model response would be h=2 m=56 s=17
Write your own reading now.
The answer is h=6 m=57 s=0
